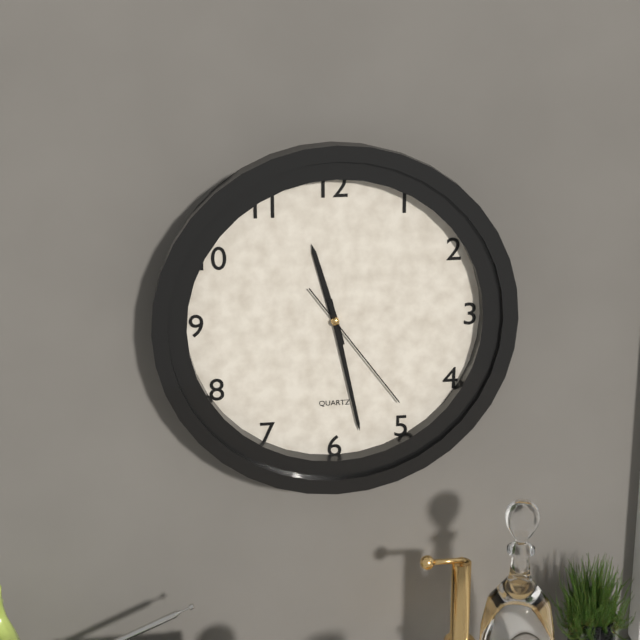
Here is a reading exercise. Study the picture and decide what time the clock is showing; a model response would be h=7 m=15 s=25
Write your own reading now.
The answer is h=11 m=28 s=24
